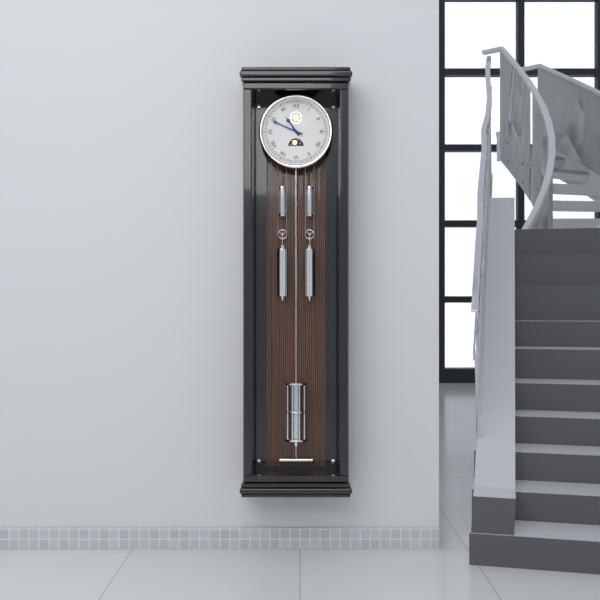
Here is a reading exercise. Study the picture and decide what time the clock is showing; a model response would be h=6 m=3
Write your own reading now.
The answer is h=10 m=49
